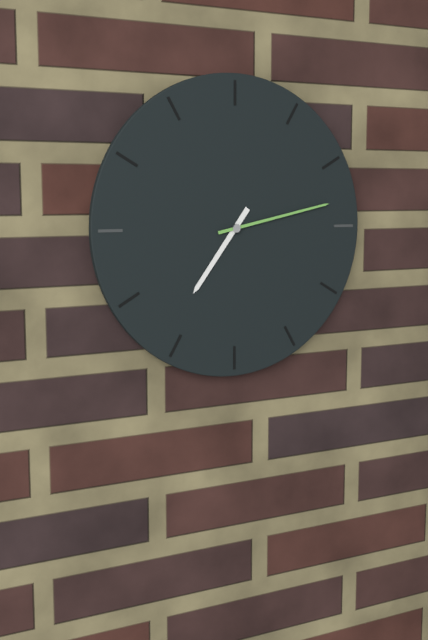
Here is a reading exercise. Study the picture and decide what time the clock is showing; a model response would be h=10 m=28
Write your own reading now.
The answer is h=7 m=13
